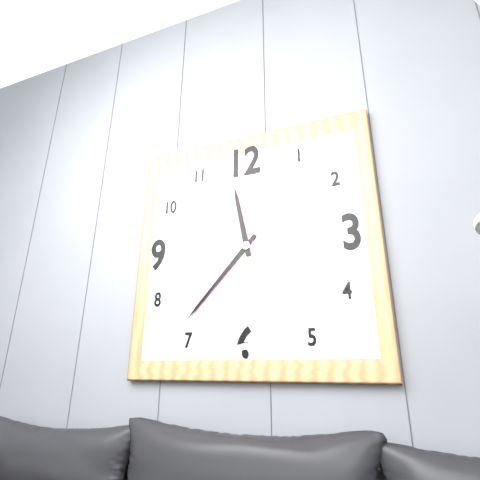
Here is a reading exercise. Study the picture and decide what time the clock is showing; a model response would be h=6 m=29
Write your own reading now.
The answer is h=11 m=37
